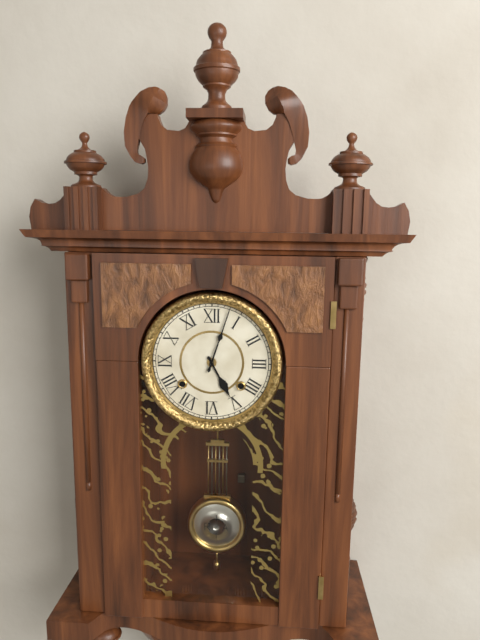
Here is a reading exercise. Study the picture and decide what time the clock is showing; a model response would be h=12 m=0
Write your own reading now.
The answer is h=5 m=3
